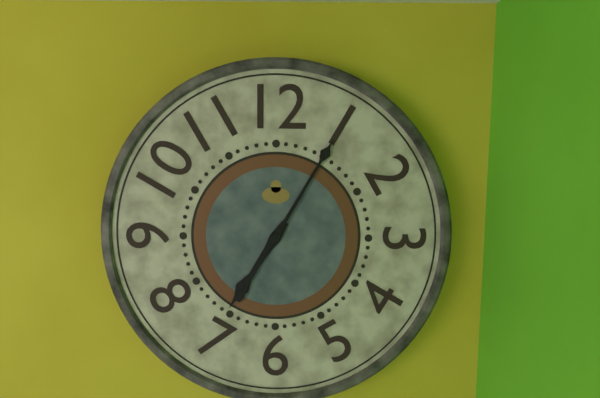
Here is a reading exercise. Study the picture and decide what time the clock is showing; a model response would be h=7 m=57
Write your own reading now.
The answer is h=7 m=5
